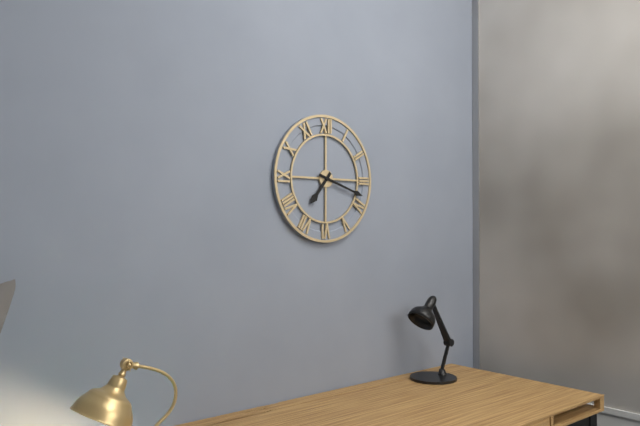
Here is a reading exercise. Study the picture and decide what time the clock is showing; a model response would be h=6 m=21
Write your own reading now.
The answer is h=7 m=18
